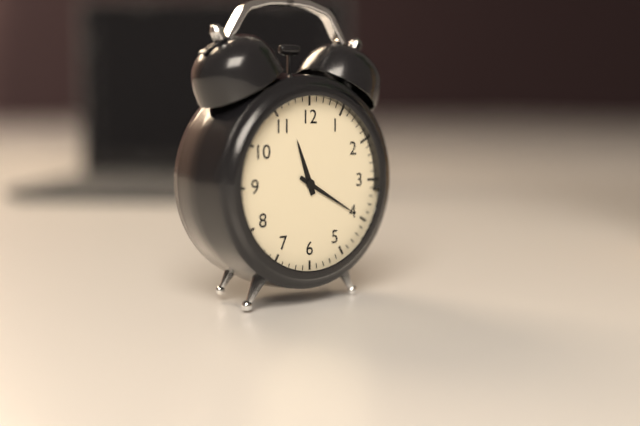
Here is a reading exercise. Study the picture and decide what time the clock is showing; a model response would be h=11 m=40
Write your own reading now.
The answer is h=11 m=20
